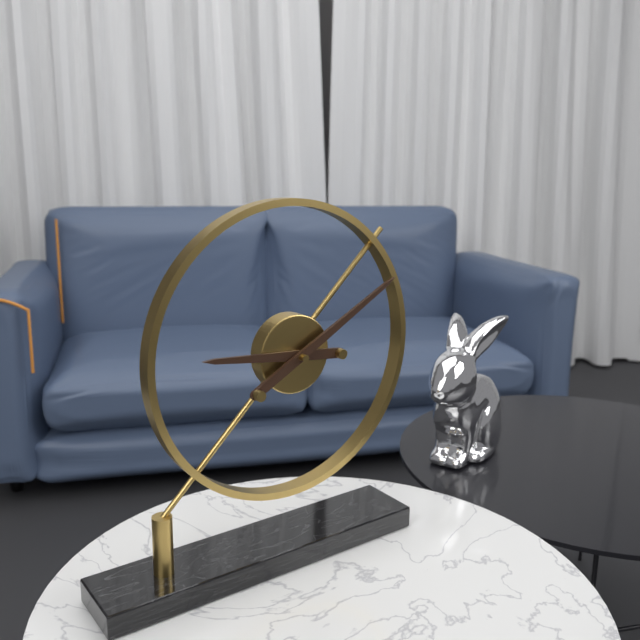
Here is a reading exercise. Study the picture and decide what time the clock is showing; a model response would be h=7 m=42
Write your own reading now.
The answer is h=9 m=10
